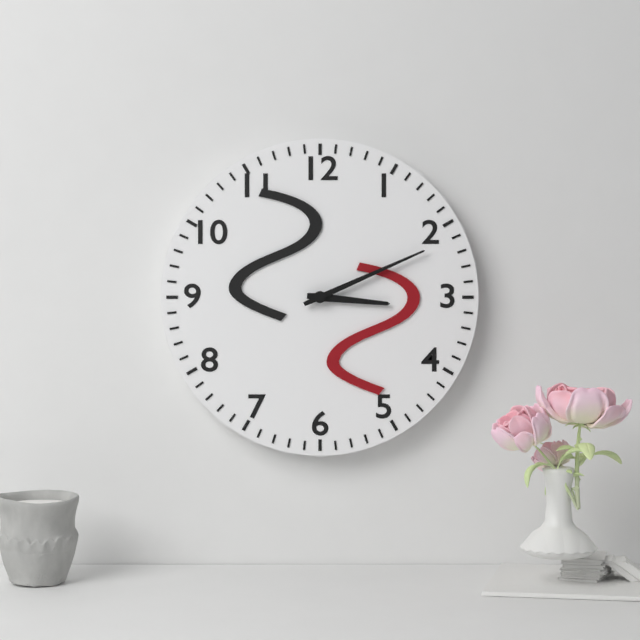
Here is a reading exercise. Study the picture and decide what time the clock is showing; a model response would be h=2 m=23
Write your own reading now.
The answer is h=3 m=11
